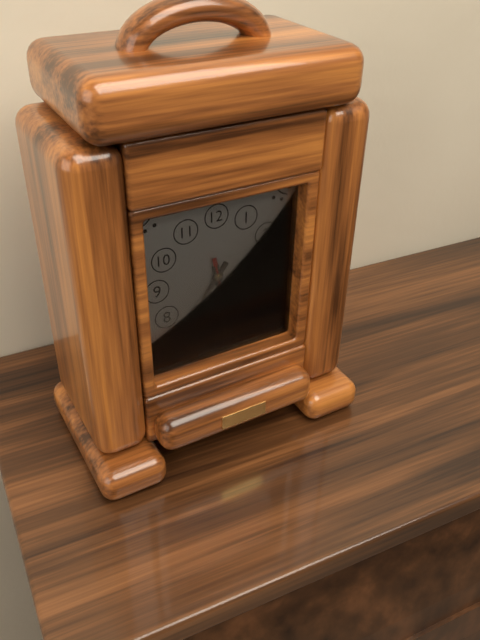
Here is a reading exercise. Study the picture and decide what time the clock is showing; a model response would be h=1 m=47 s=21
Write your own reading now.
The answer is h=5 m=36 s=28
